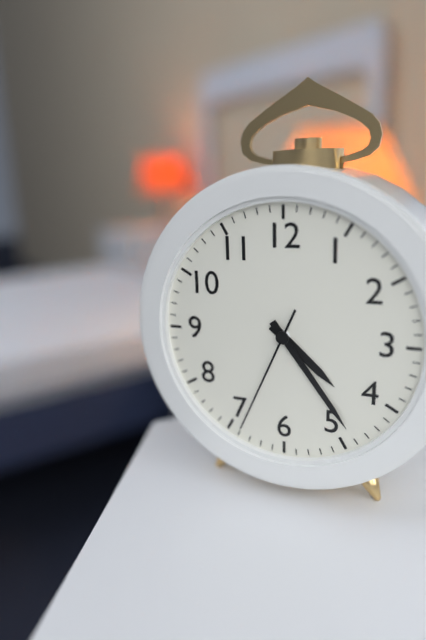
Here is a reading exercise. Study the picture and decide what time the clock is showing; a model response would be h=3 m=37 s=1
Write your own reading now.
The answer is h=4 m=24 s=34
